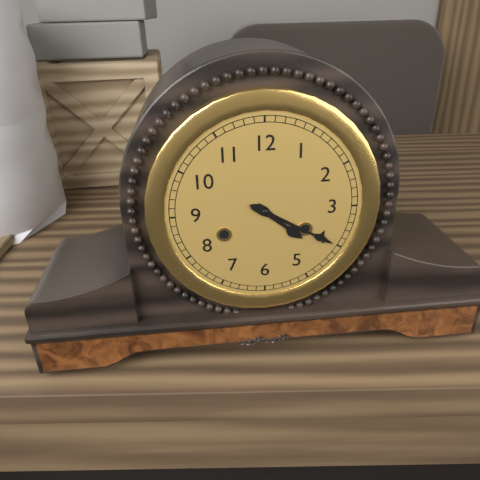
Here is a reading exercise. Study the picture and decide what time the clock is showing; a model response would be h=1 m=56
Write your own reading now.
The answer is h=4 m=20
